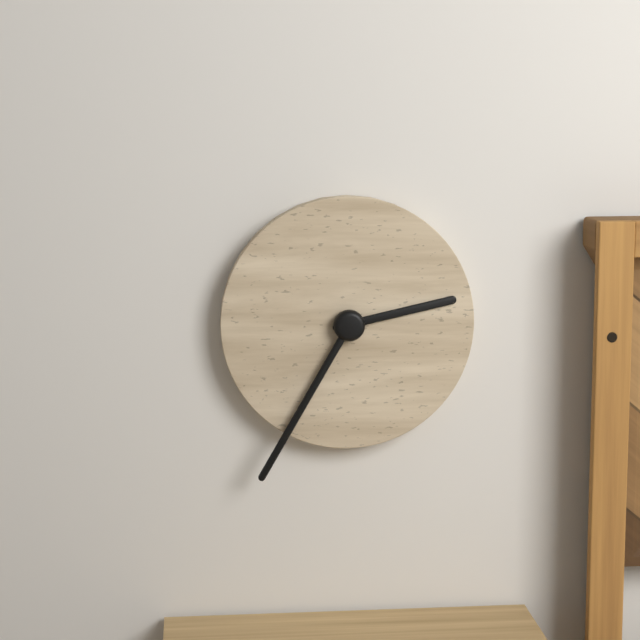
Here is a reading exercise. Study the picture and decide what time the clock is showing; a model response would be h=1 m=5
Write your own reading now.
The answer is h=2 m=35
